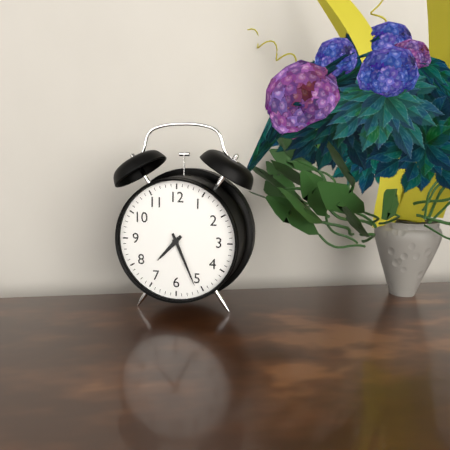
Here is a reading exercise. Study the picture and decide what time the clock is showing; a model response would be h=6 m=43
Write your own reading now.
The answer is h=7 m=26
